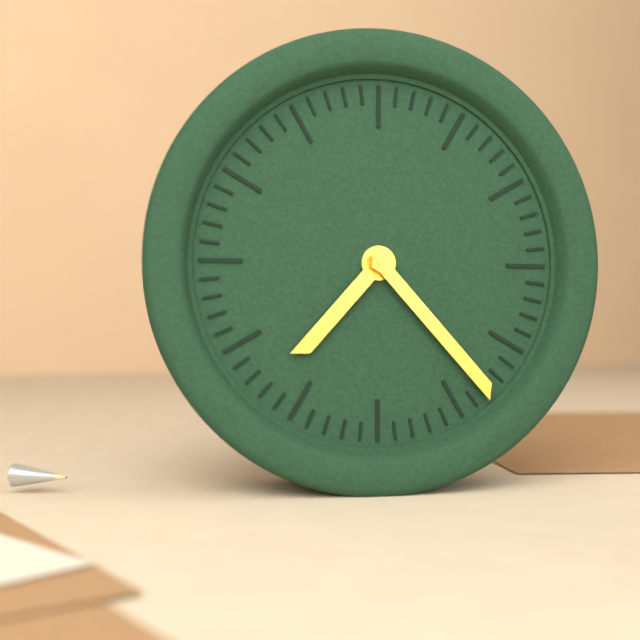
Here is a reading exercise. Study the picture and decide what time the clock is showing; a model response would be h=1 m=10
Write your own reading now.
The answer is h=7 m=23
